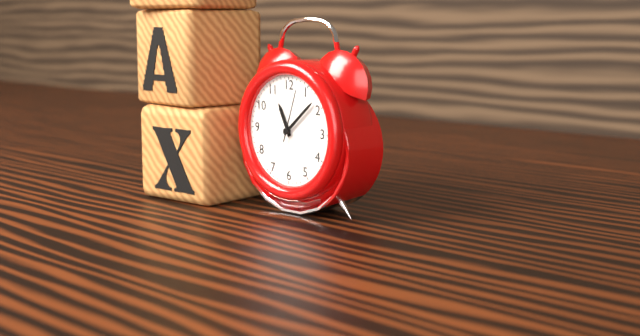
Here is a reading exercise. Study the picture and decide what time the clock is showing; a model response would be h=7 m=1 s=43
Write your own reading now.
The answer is h=11 m=8 s=3
